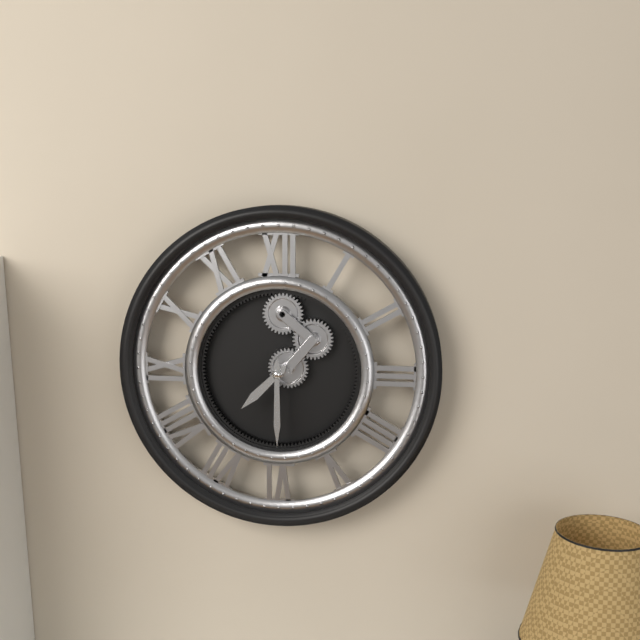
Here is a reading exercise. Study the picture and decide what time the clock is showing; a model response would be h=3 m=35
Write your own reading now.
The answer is h=7 m=30
